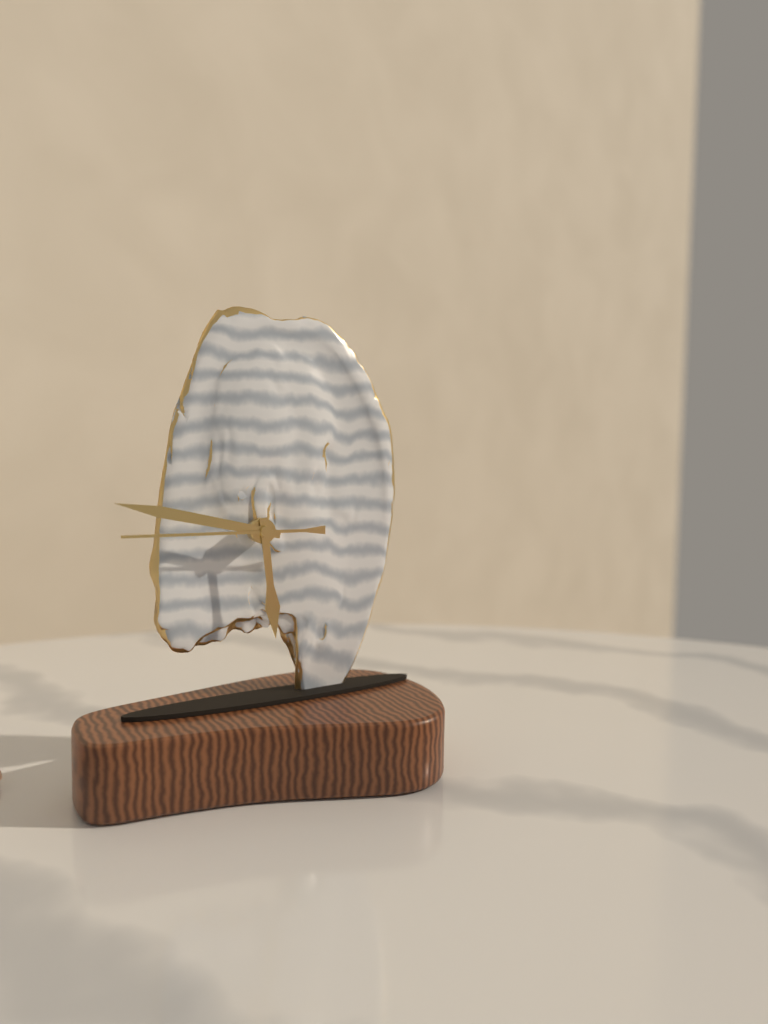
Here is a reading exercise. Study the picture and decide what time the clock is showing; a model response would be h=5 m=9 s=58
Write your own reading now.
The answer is h=5 m=47 s=45
